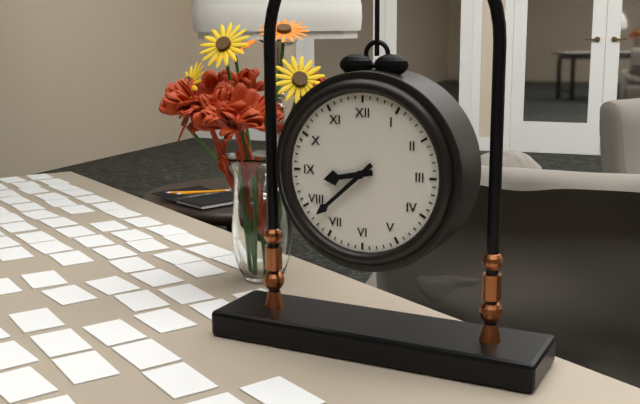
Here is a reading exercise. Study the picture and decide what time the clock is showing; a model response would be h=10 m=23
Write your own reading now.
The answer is h=8 m=38
